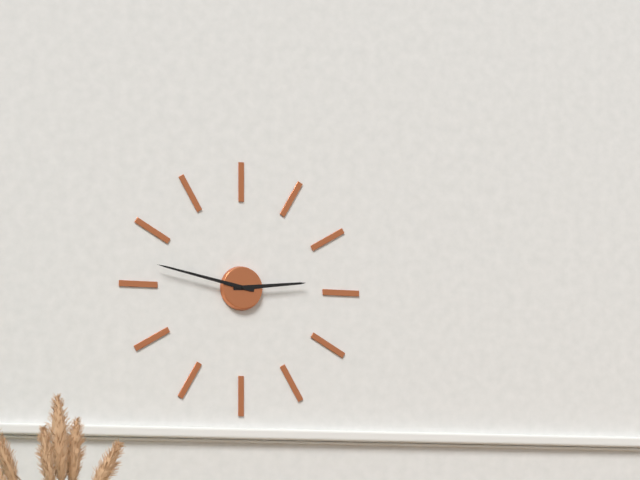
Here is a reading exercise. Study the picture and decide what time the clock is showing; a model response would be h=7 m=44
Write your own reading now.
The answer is h=2 m=47
